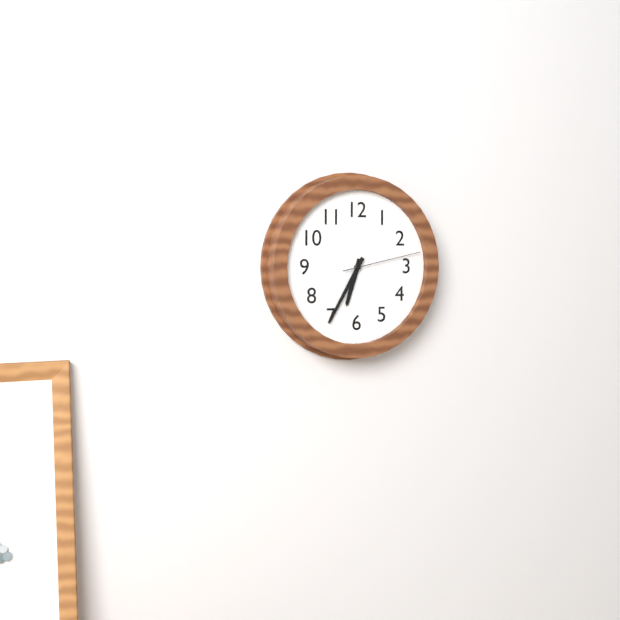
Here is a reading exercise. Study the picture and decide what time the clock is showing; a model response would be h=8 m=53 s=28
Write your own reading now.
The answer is h=6 m=35 s=13
